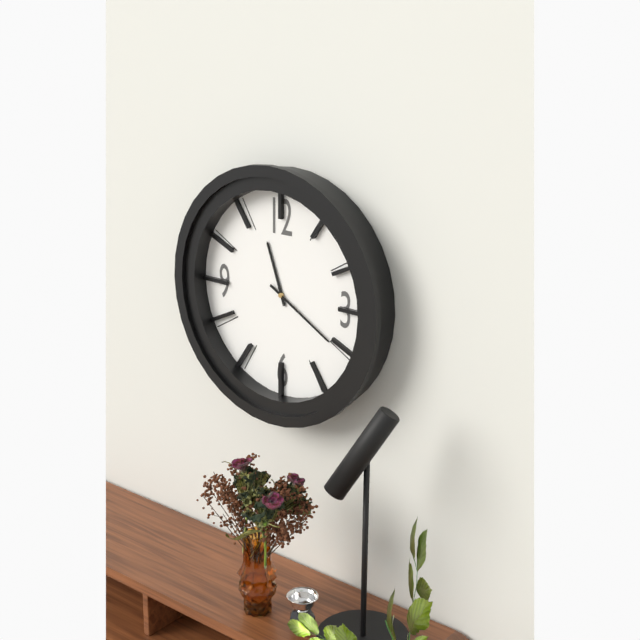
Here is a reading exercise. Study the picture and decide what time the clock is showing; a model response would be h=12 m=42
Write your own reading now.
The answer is h=11 m=20
